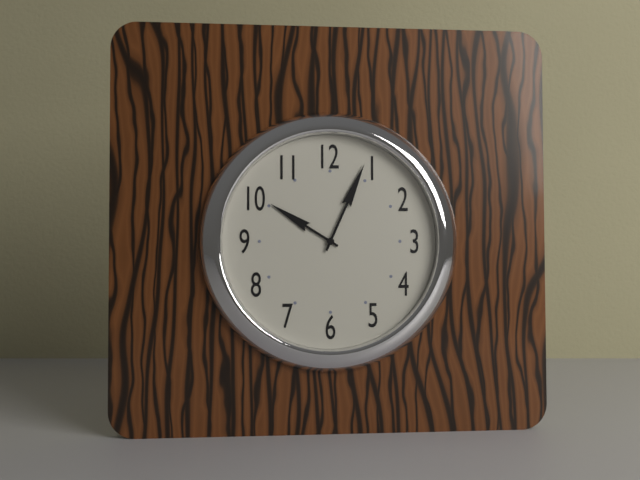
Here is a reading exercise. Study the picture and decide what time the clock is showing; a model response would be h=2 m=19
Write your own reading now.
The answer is h=10 m=4
